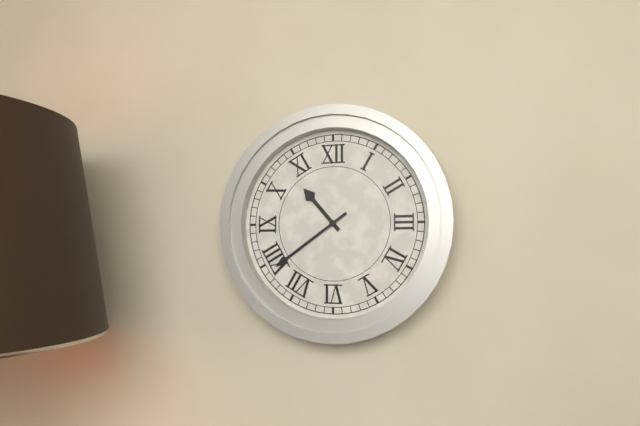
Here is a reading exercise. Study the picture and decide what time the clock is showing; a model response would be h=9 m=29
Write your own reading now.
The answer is h=10 m=39
